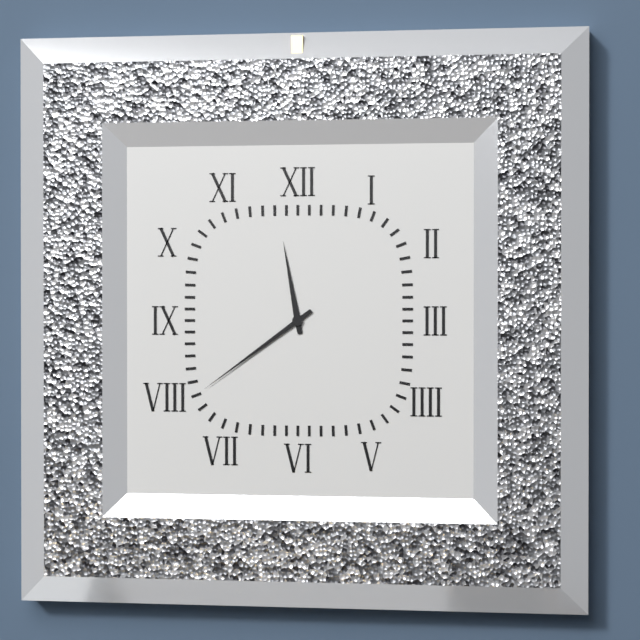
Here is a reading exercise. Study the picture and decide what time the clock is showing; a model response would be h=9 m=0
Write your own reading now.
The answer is h=11 m=39
